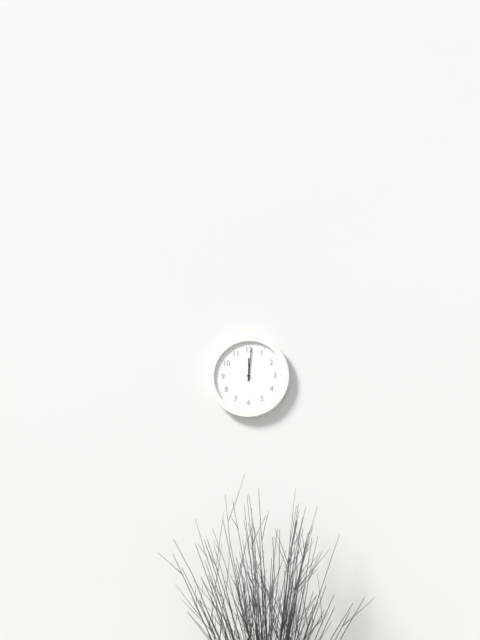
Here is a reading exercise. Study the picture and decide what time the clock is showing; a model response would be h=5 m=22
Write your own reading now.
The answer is h=12 m=1
